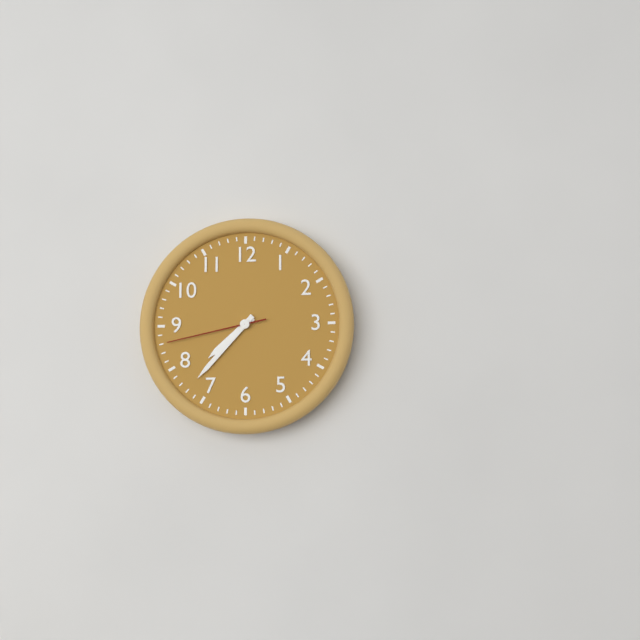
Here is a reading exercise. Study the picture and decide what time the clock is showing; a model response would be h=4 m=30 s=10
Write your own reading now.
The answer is h=7 m=37 s=43
